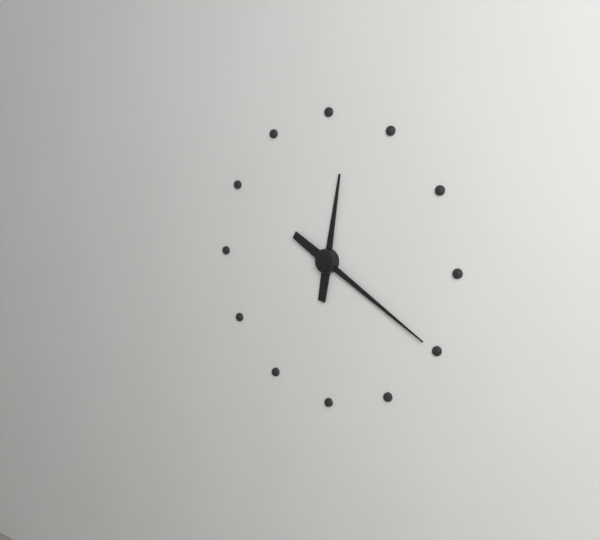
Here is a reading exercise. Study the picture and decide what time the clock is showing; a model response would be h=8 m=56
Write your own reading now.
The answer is h=12 m=20
